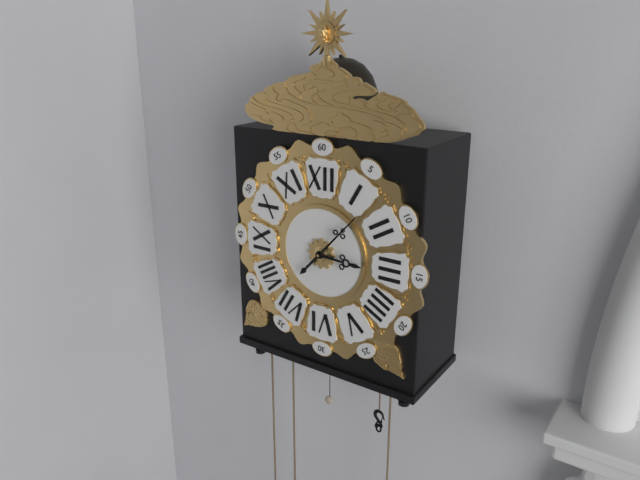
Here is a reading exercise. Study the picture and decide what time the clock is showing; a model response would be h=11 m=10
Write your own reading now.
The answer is h=3 m=7
